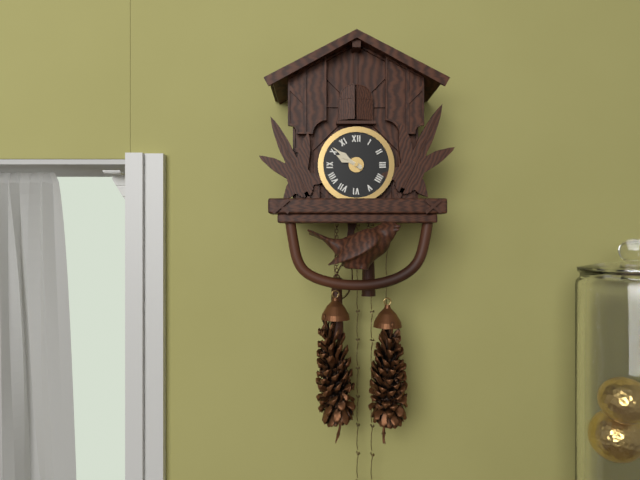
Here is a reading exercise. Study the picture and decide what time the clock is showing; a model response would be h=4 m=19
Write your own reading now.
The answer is h=9 m=51
